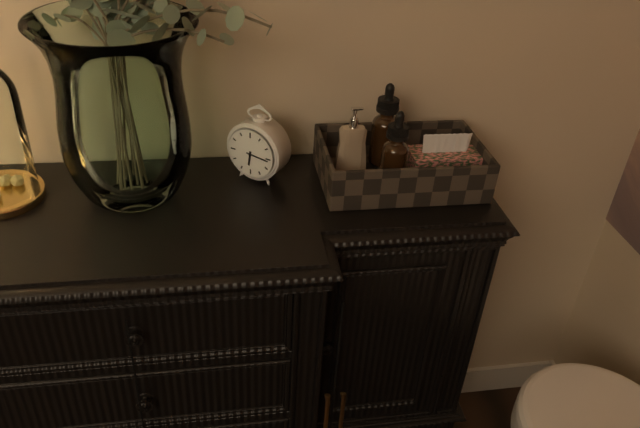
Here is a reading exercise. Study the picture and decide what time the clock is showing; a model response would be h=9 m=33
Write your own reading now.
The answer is h=6 m=16
